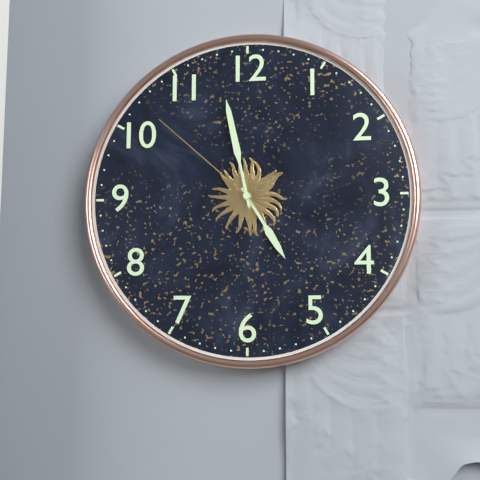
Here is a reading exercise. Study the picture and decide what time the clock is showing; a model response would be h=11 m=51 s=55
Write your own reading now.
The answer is h=4 m=58 s=52
